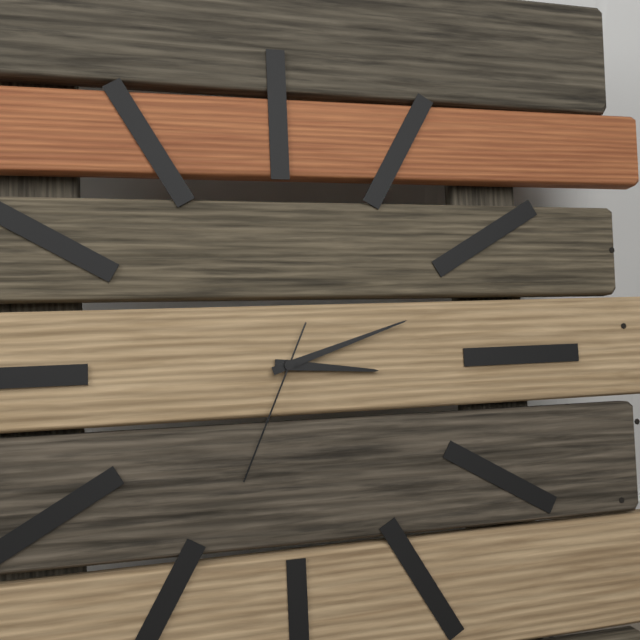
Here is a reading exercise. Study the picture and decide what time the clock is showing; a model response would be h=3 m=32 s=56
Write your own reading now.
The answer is h=3 m=12 s=34
